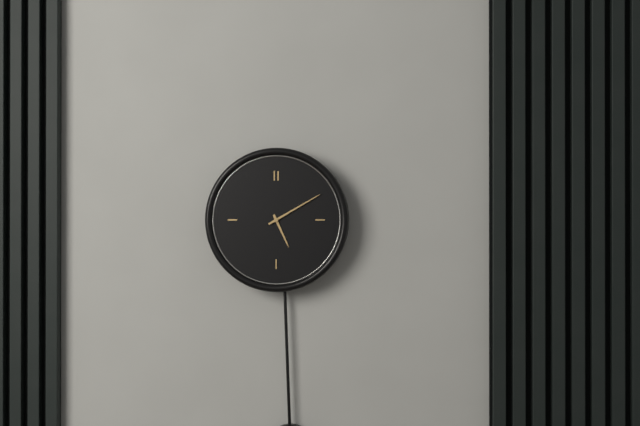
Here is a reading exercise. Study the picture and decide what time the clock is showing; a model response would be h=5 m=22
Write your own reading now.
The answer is h=5 m=10
